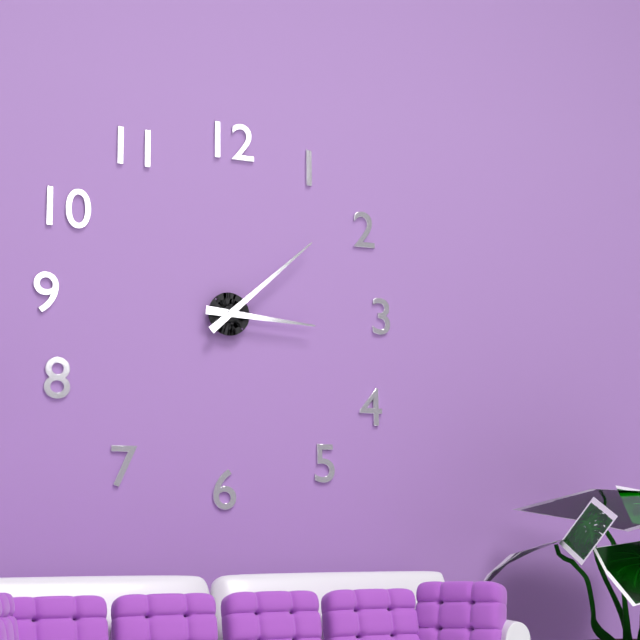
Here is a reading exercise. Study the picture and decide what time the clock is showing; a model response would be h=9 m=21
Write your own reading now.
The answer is h=3 m=8
